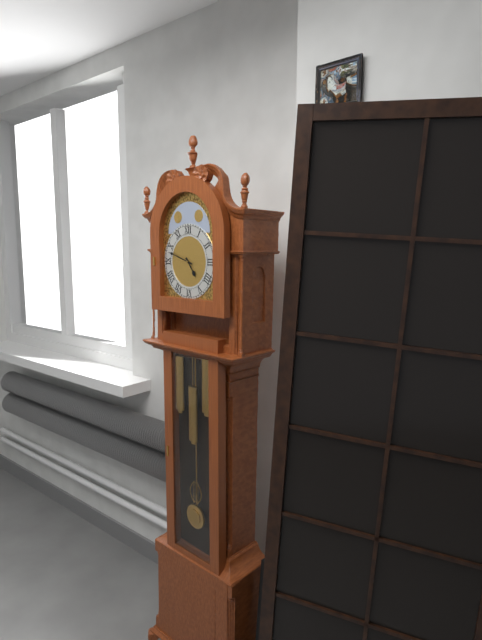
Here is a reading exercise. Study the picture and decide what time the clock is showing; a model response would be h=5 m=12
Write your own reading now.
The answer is h=4 m=48
